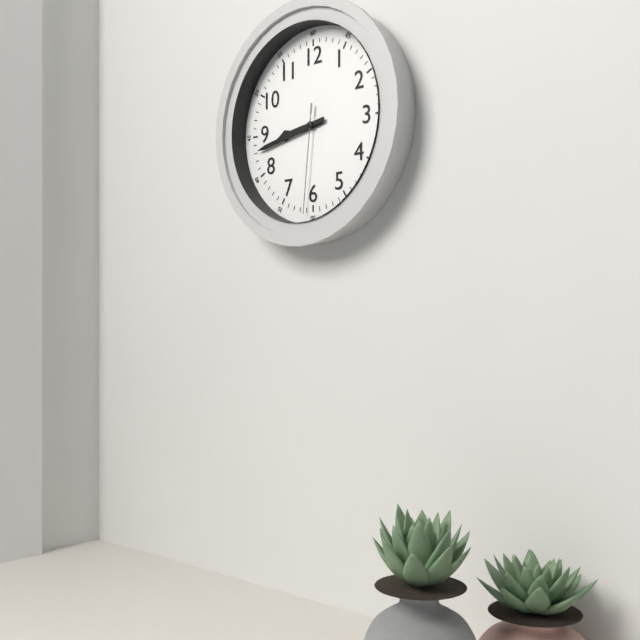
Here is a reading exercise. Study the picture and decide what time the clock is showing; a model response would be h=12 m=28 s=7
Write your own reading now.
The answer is h=8 m=43 s=31
